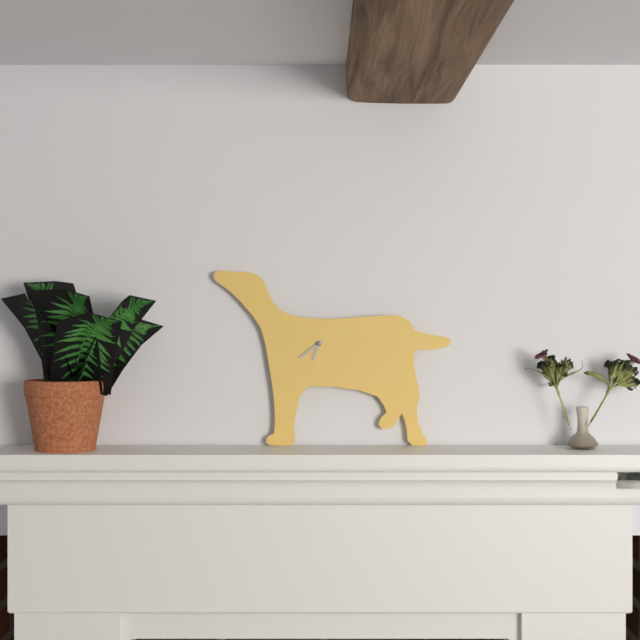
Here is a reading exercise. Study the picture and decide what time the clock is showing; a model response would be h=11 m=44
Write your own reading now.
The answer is h=6 m=39
